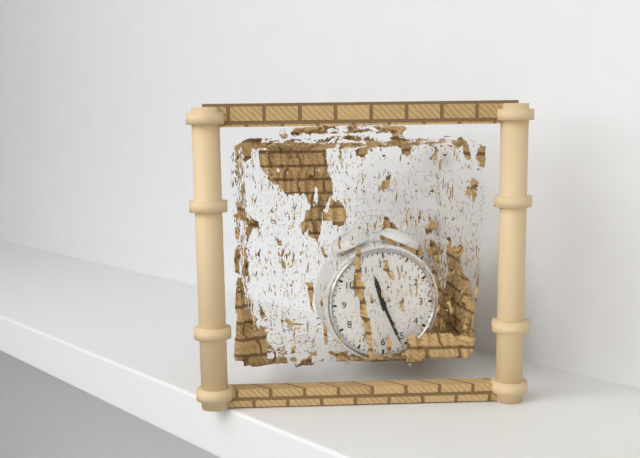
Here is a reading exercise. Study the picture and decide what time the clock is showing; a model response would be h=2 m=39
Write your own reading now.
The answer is h=11 m=26
